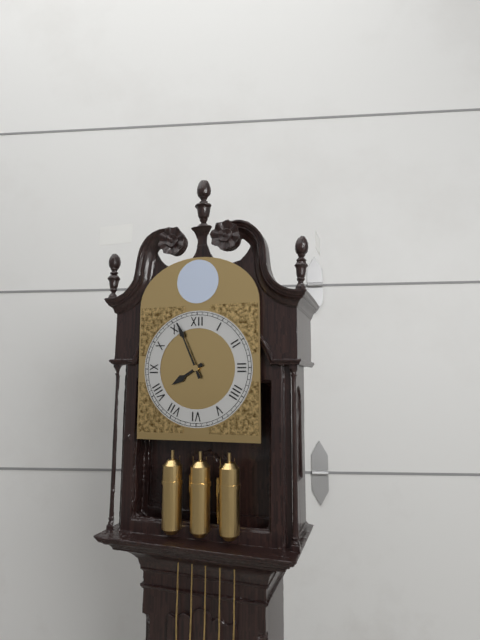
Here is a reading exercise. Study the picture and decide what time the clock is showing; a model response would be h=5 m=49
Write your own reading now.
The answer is h=7 m=56
